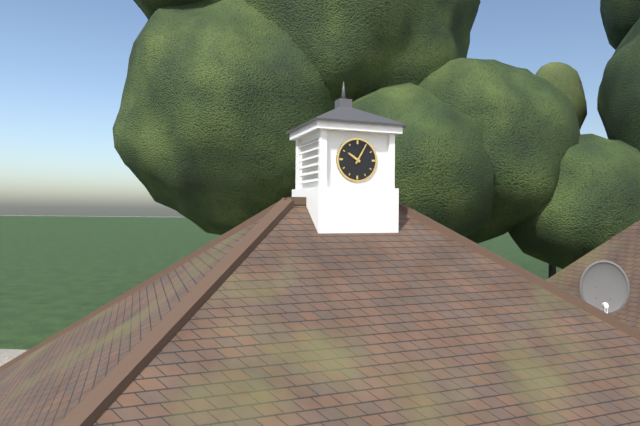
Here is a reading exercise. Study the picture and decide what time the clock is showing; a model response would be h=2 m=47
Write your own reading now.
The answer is h=10 m=5
